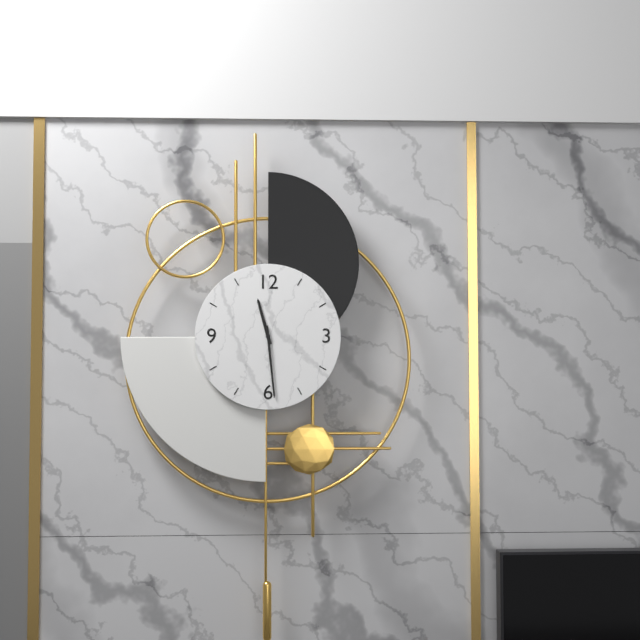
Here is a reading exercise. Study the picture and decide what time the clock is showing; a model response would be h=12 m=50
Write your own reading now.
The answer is h=11 m=29
